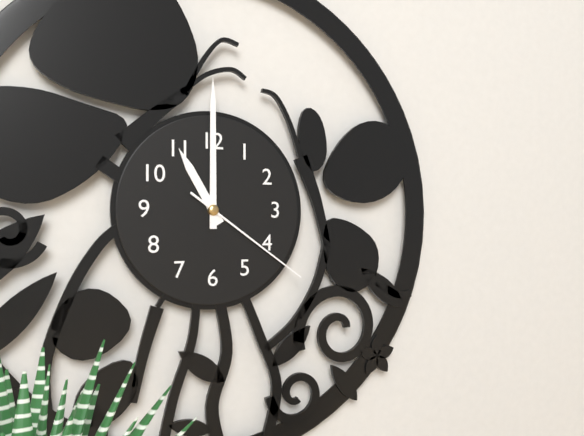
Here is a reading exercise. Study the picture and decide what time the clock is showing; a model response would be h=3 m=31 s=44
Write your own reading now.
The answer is h=11 m=0 s=21
